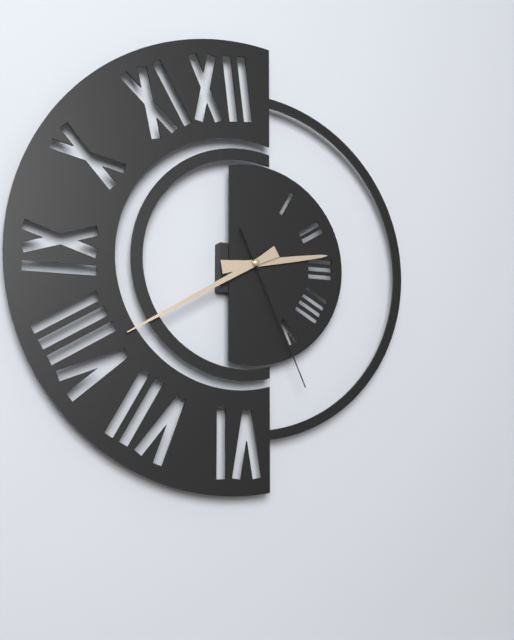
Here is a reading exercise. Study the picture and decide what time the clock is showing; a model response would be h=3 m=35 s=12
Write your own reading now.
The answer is h=2 m=40 s=26
